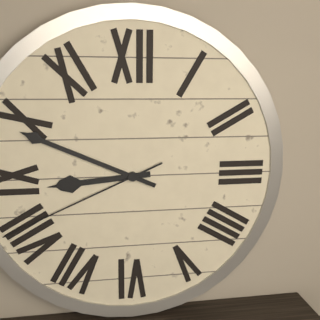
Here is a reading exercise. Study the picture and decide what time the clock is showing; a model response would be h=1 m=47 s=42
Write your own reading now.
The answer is h=8 m=49 s=41
